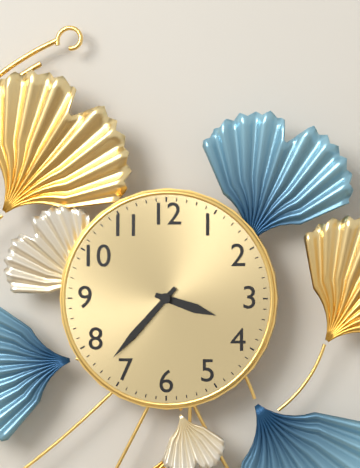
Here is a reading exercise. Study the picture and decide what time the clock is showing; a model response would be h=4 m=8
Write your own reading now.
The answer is h=3 m=37
